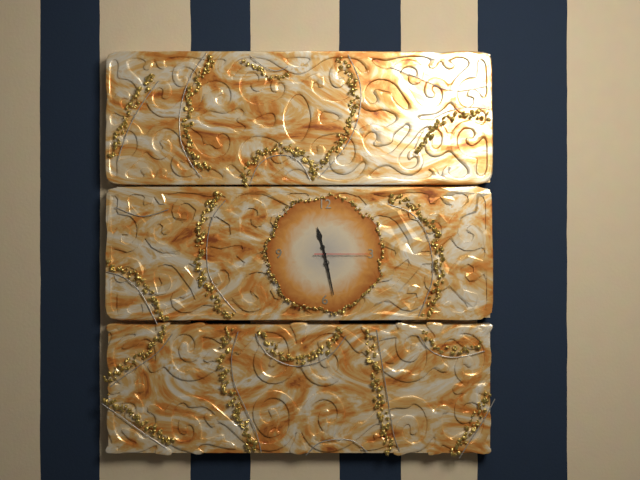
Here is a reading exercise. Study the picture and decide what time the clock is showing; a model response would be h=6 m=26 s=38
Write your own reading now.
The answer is h=11 m=28 s=15
